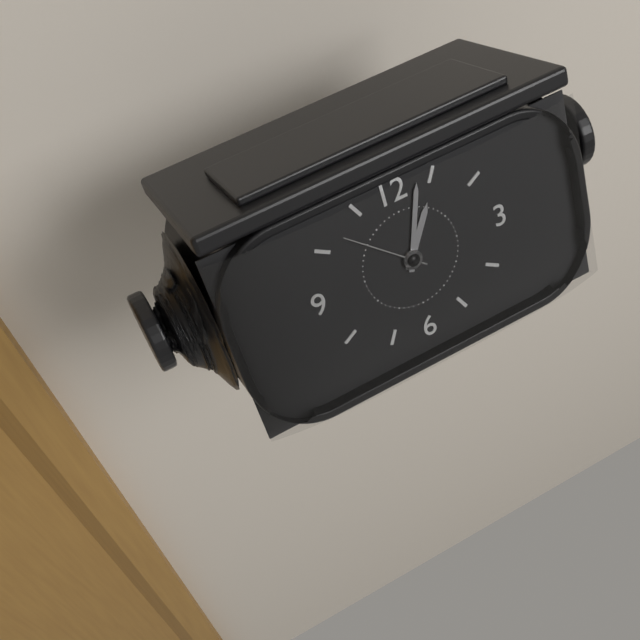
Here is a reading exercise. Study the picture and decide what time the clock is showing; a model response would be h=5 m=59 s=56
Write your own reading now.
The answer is h=1 m=3 s=52
